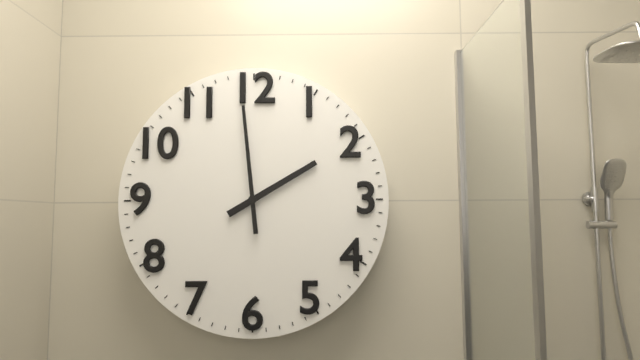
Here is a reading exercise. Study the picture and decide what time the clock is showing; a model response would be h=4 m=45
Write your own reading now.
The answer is h=1 m=59
